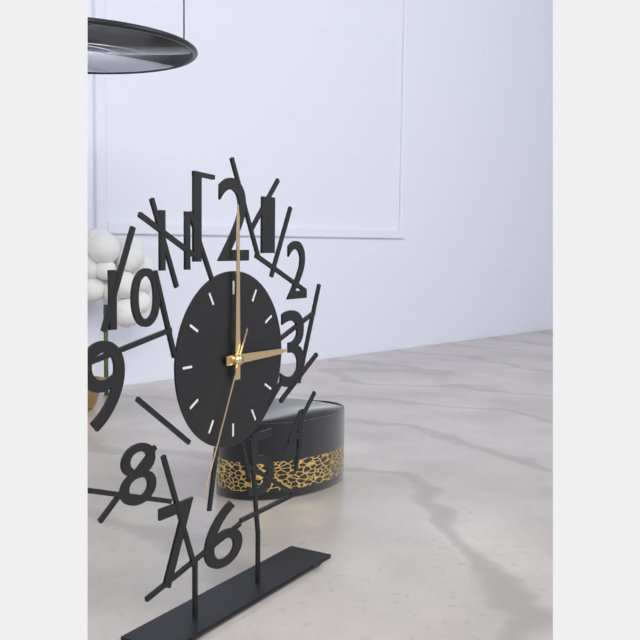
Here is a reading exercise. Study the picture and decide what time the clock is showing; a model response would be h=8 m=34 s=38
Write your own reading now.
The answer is h=3 m=0 s=34
